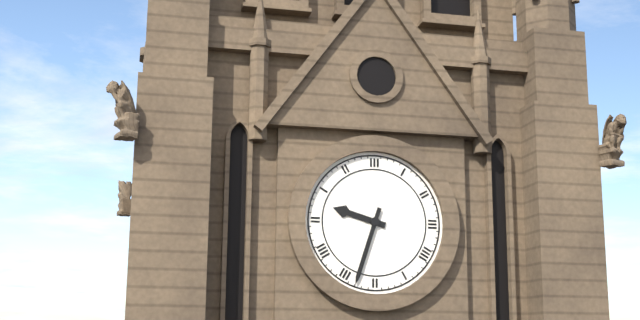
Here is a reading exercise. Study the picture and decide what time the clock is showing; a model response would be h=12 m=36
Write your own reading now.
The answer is h=9 m=33
